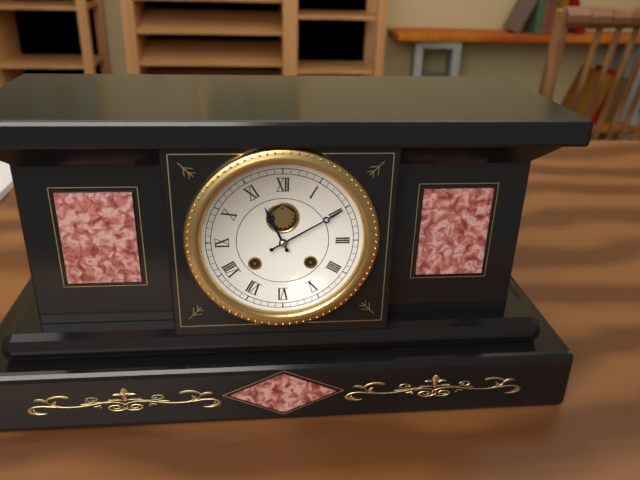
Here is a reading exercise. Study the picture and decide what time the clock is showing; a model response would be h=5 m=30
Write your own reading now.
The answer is h=11 m=10
